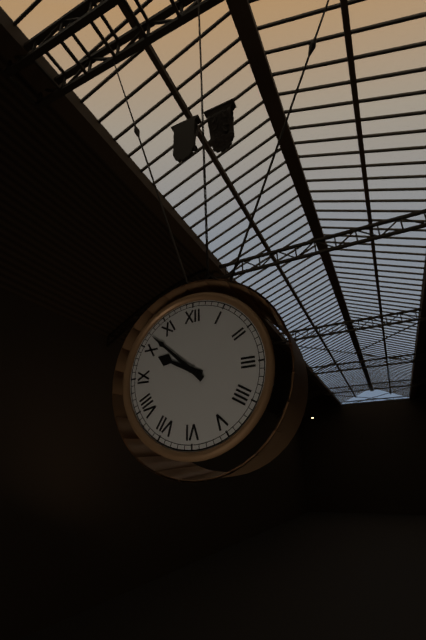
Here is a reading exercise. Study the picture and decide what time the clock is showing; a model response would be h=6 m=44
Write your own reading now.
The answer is h=9 m=52
